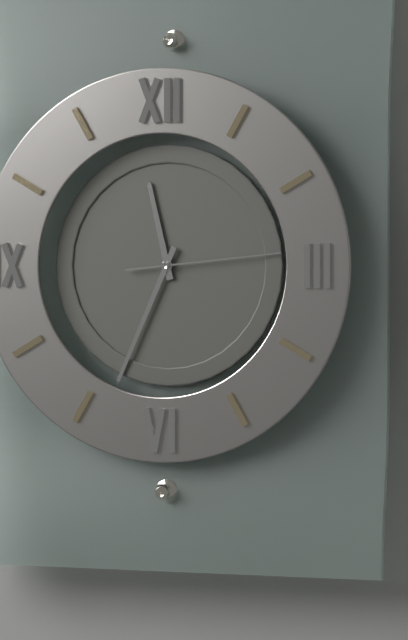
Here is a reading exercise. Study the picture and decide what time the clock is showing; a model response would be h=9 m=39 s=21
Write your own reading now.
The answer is h=11 m=34 s=14
